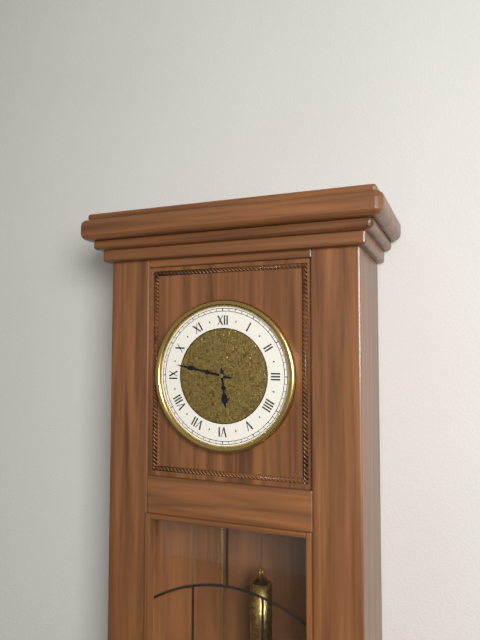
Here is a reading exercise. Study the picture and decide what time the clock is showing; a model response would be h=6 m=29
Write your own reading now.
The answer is h=5 m=47
